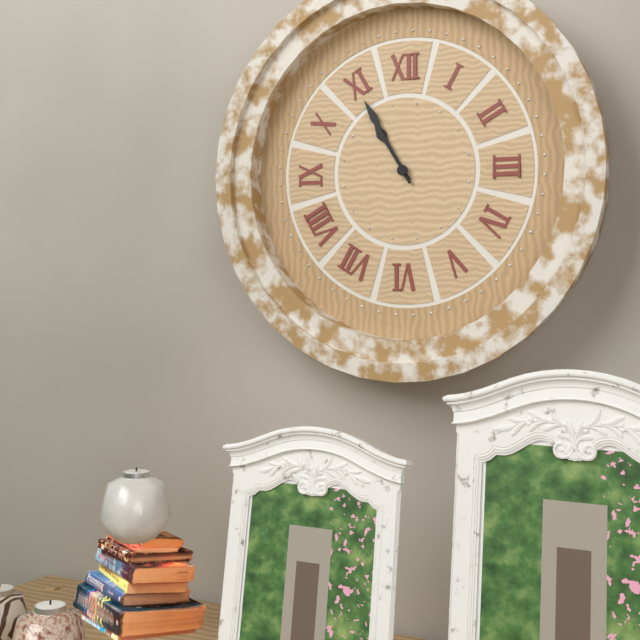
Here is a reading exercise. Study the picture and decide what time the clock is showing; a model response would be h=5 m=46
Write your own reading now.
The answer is h=10 m=55
